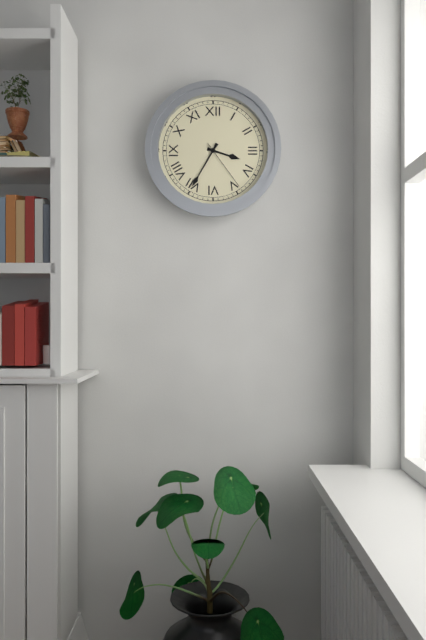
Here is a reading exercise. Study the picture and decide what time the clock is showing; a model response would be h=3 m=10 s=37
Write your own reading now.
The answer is h=3 m=35 s=24
